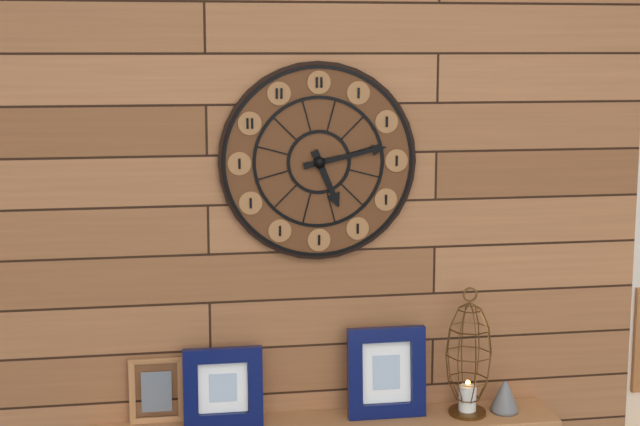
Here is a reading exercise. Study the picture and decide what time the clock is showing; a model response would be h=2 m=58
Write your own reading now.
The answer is h=5 m=13
